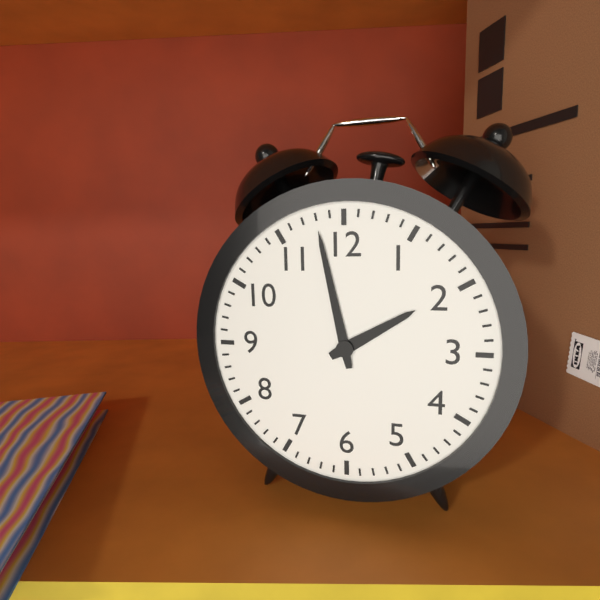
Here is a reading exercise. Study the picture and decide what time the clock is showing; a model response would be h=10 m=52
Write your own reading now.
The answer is h=1 m=58
